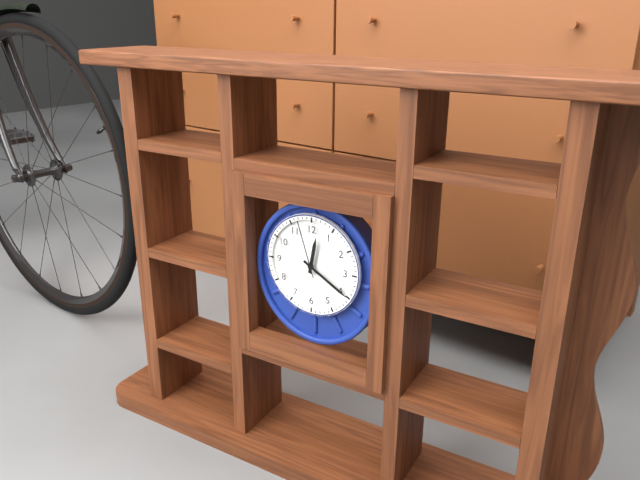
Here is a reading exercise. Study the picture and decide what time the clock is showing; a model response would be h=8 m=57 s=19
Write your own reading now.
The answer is h=12 m=20 s=57
